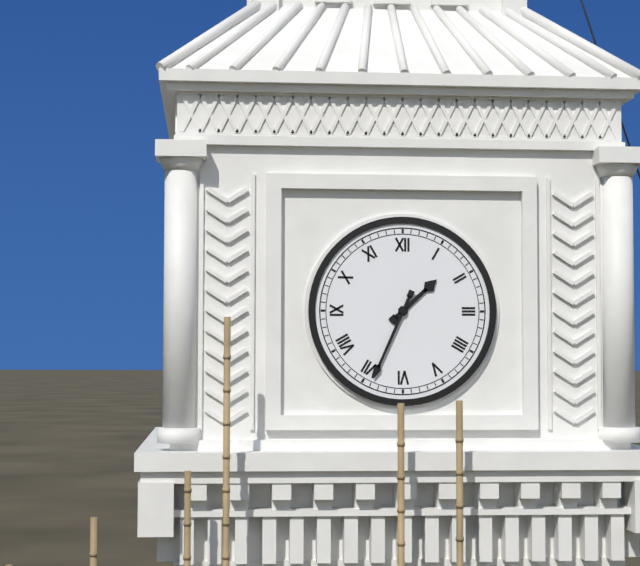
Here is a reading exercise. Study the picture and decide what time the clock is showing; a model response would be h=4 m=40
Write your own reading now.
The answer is h=1 m=34
